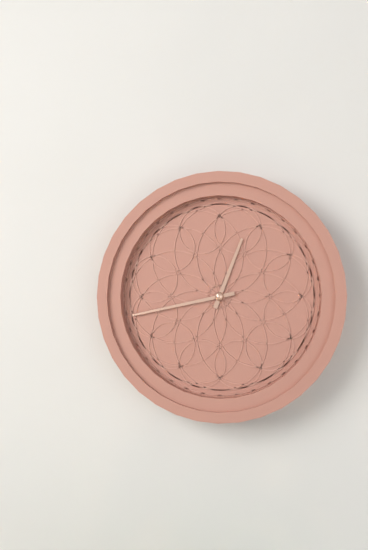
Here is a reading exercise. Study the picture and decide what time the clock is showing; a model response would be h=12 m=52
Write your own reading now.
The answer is h=12 m=43
